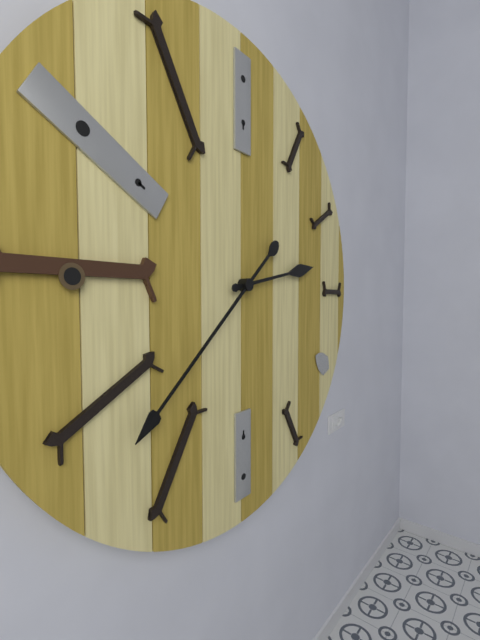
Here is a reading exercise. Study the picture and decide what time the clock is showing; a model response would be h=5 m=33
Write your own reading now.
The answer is h=2 m=38
